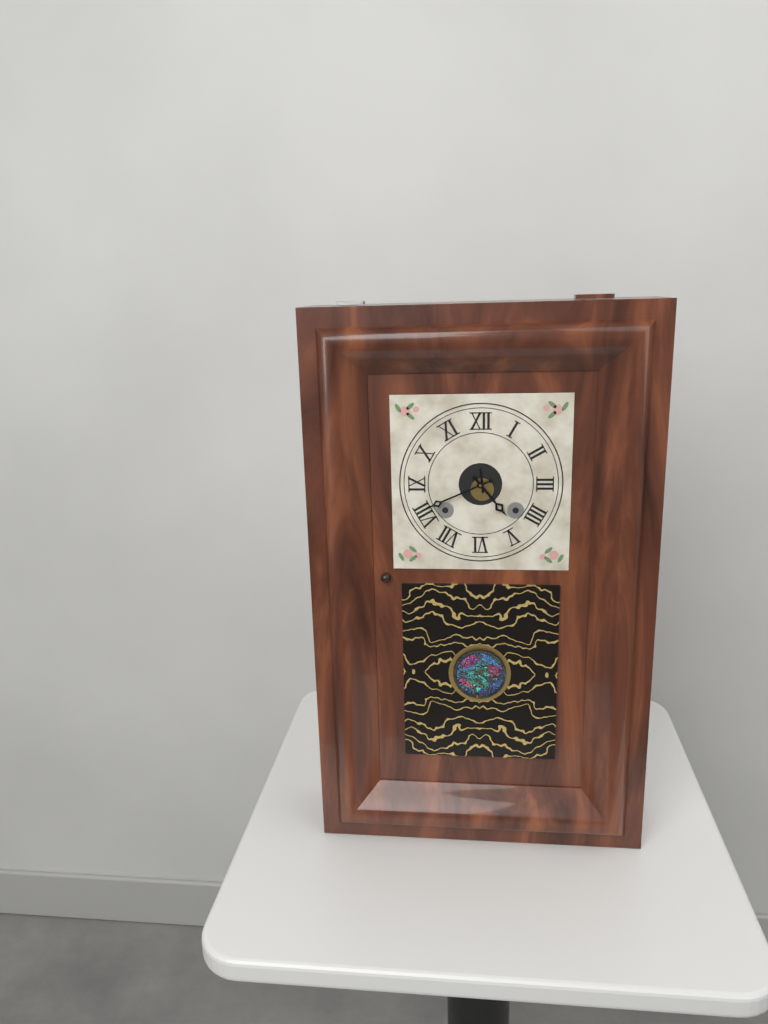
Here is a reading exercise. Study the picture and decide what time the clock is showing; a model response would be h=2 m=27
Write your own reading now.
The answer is h=4 m=41
